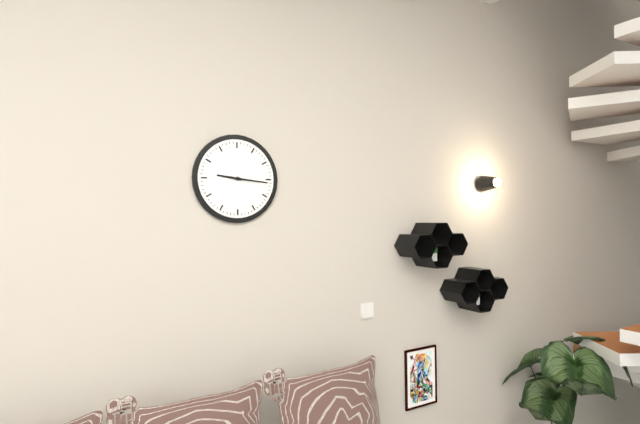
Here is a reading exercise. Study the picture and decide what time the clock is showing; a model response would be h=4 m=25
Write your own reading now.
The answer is h=9 m=16
